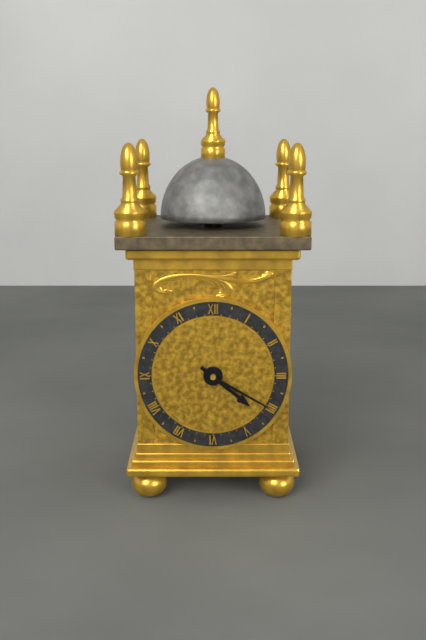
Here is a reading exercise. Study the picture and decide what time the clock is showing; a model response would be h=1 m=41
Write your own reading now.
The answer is h=4 m=20
